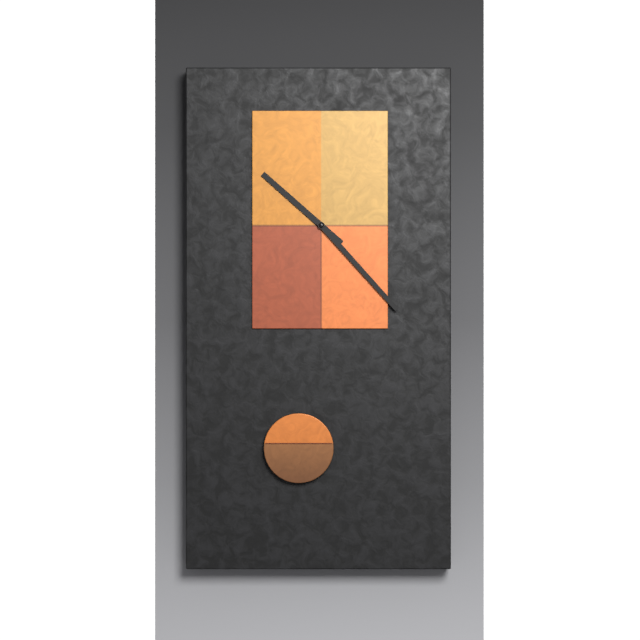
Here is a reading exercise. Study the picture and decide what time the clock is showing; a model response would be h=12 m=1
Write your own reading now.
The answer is h=10 m=23
